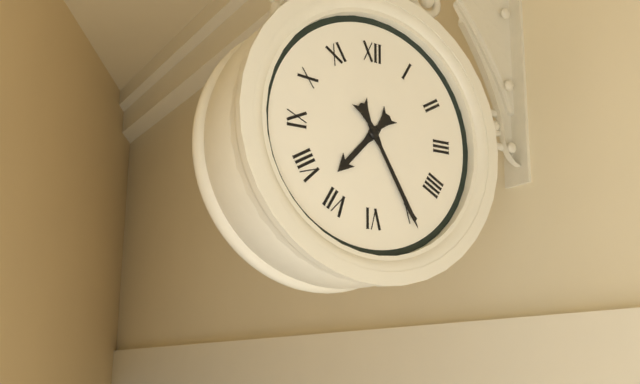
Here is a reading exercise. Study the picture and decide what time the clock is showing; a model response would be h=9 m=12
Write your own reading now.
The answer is h=7 m=25
